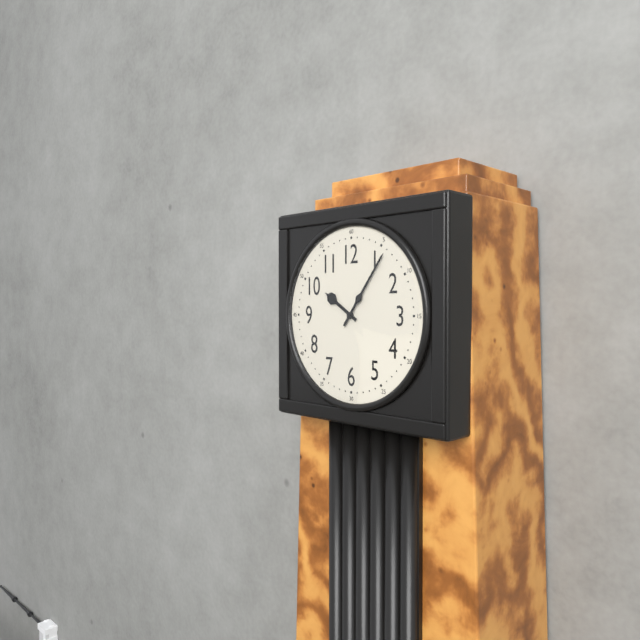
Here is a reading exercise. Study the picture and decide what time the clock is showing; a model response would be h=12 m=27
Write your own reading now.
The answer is h=10 m=6
